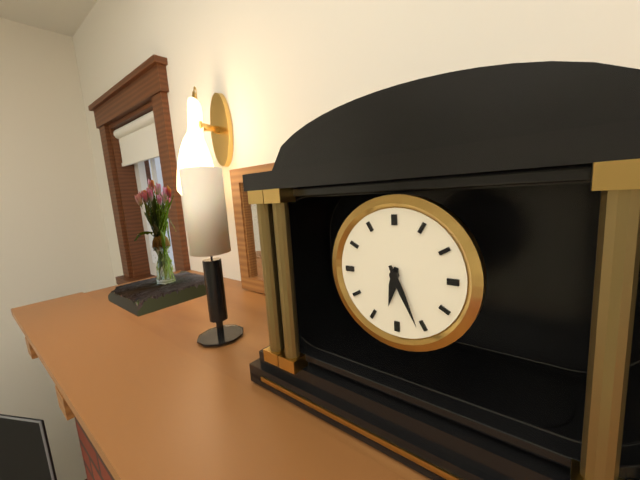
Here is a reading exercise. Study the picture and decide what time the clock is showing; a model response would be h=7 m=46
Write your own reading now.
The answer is h=6 m=26
